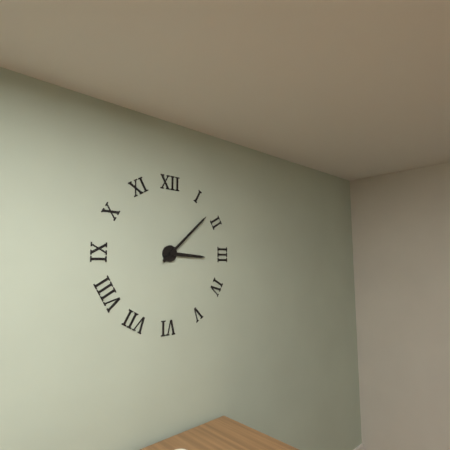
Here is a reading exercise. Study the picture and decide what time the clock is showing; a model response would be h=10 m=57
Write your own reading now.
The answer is h=3 m=8
